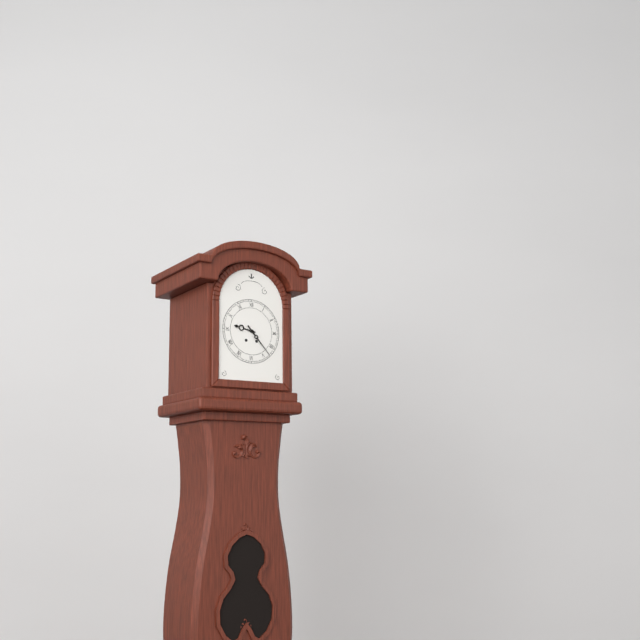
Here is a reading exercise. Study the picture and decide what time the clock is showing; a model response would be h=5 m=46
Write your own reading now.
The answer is h=9 m=23
